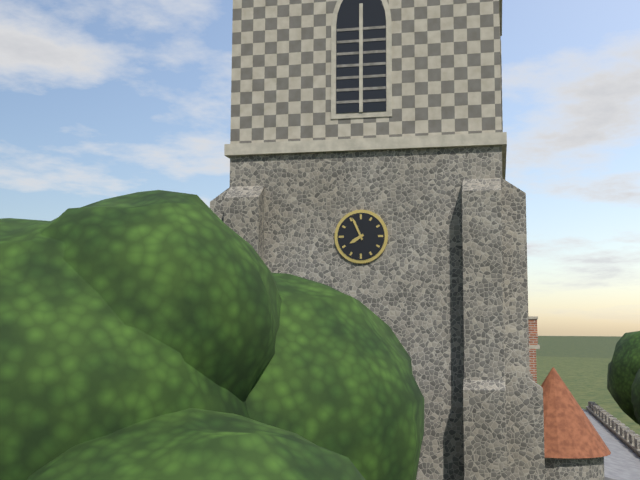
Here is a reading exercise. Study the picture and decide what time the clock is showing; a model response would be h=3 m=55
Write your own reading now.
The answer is h=7 m=56
